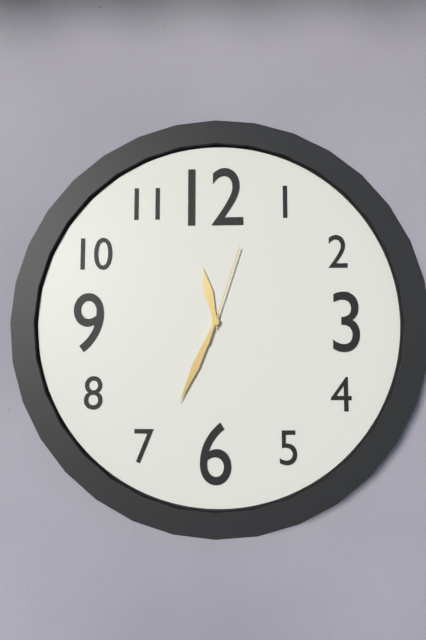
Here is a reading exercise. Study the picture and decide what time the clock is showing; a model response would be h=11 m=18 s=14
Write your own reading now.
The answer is h=11 m=34 s=3
